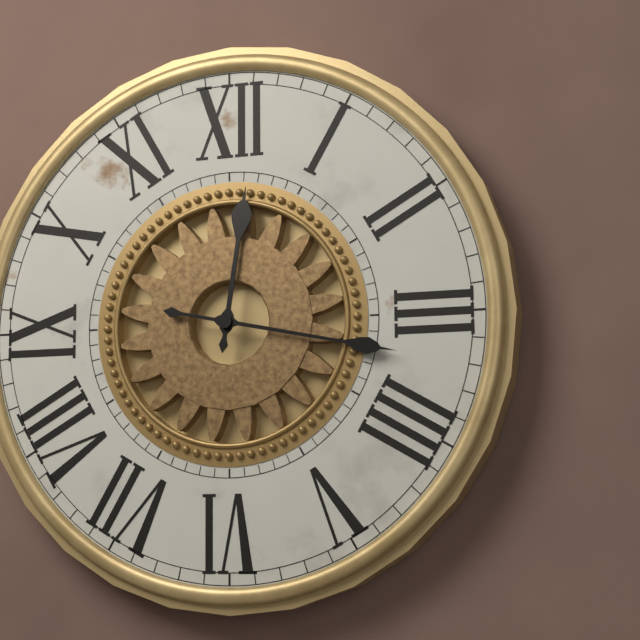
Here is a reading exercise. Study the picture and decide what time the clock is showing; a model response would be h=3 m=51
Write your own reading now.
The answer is h=12 m=17
